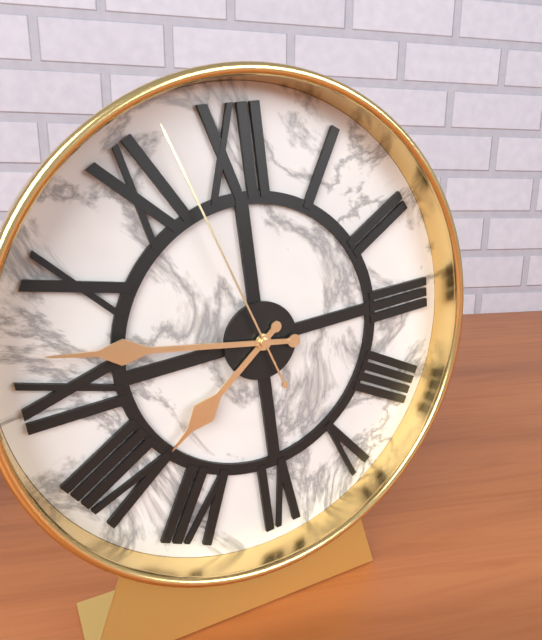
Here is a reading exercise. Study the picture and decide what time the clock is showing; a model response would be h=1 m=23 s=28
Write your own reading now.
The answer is h=7 m=47 s=57
